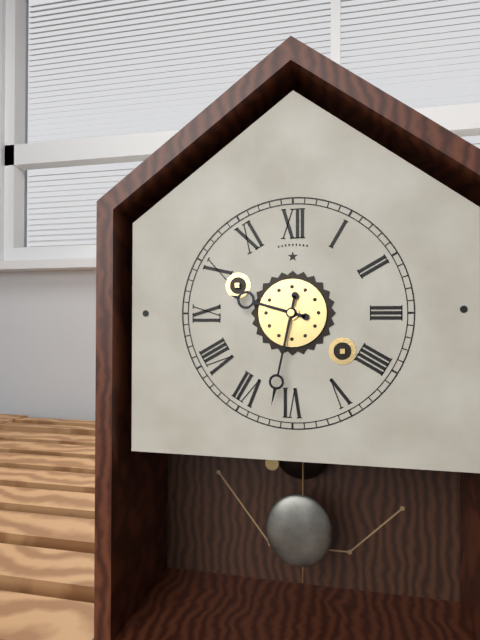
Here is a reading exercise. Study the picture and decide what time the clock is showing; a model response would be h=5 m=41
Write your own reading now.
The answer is h=9 m=32
